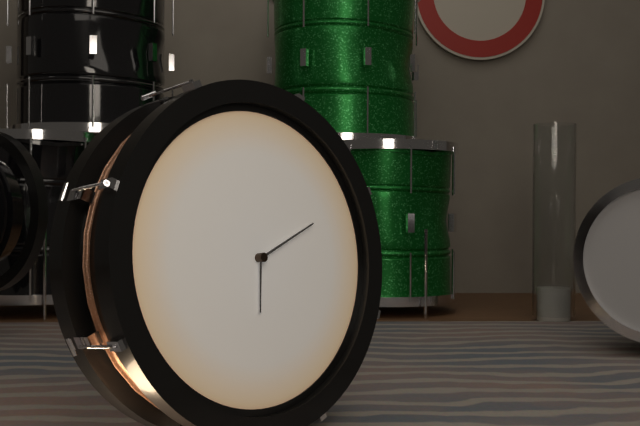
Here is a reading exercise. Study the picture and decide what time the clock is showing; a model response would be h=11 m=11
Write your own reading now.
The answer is h=6 m=11
